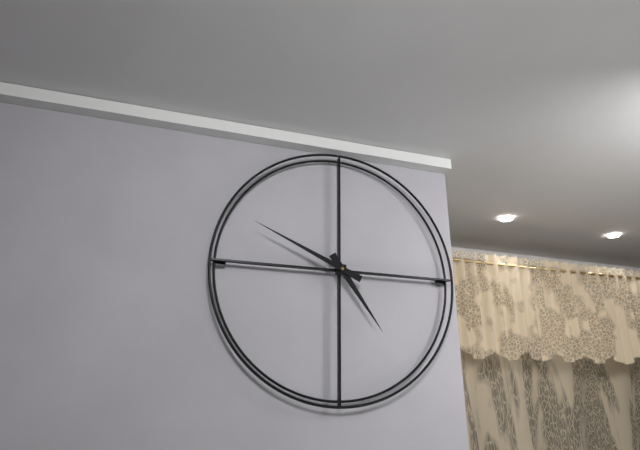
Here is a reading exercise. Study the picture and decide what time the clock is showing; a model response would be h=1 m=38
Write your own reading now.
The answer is h=4 m=49
